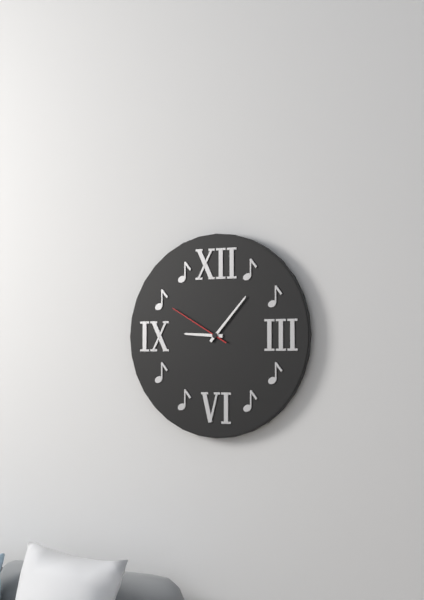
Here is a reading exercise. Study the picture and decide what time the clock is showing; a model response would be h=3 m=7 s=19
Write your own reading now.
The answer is h=9 m=7 s=50
